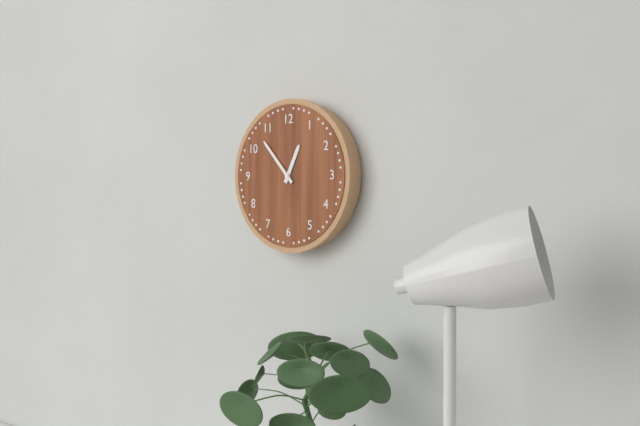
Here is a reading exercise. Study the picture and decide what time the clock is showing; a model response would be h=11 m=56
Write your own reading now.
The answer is h=12 m=53
